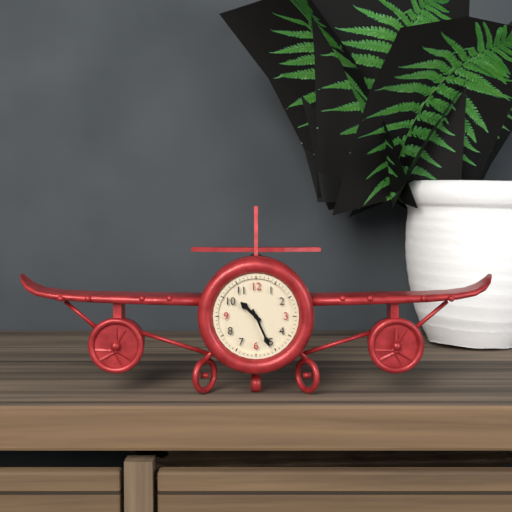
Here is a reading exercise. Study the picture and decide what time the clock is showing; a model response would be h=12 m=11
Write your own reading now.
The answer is h=10 m=26
